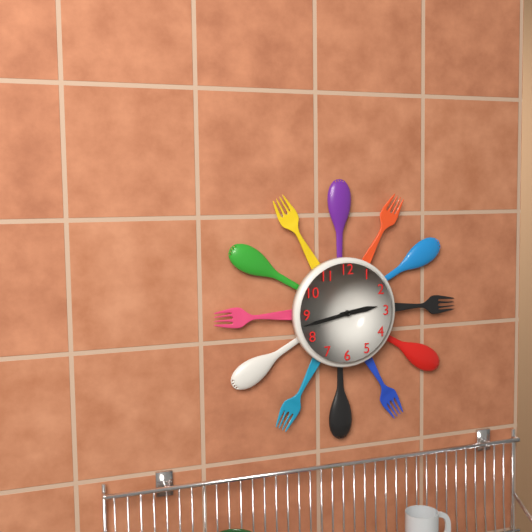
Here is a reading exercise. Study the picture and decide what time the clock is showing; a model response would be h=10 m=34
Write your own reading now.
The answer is h=2 m=43
